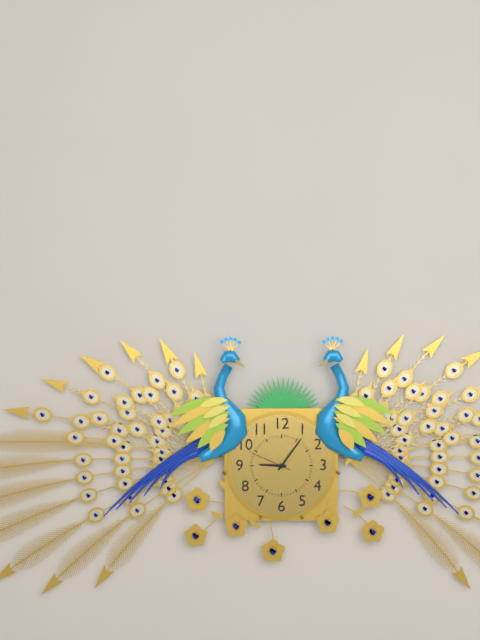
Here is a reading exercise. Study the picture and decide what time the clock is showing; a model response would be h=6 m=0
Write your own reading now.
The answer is h=9 m=6
